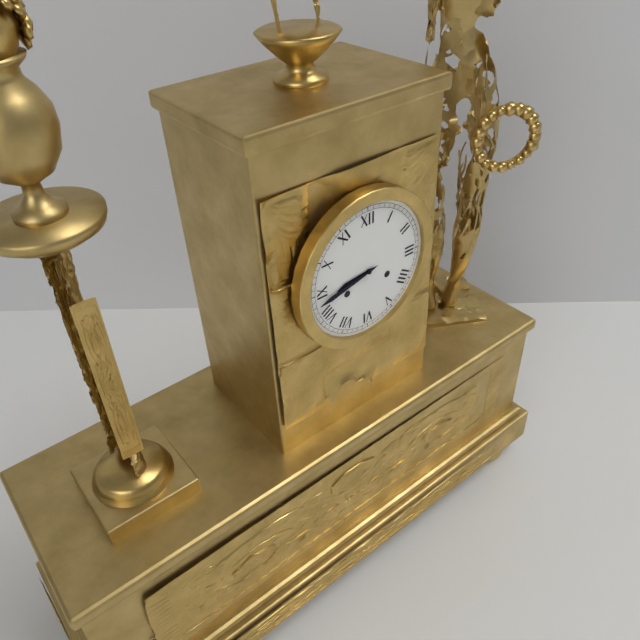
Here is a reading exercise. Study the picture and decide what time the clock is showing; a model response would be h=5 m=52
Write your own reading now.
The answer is h=8 m=43
